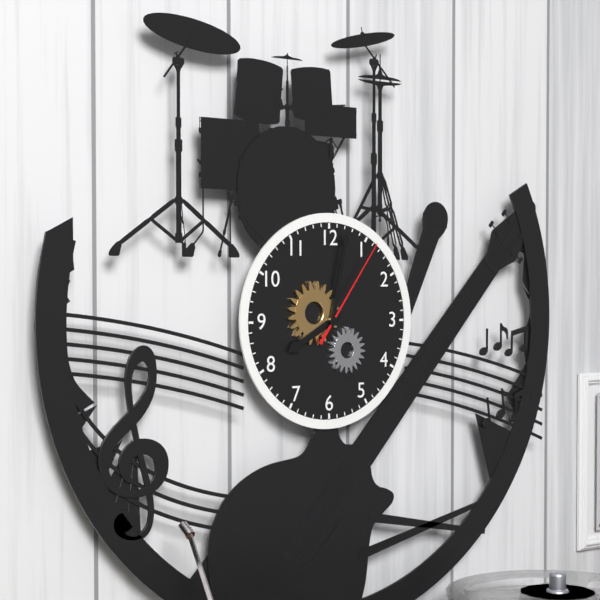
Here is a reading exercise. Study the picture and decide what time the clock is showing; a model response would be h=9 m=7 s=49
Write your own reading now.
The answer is h=8 m=2 s=6
